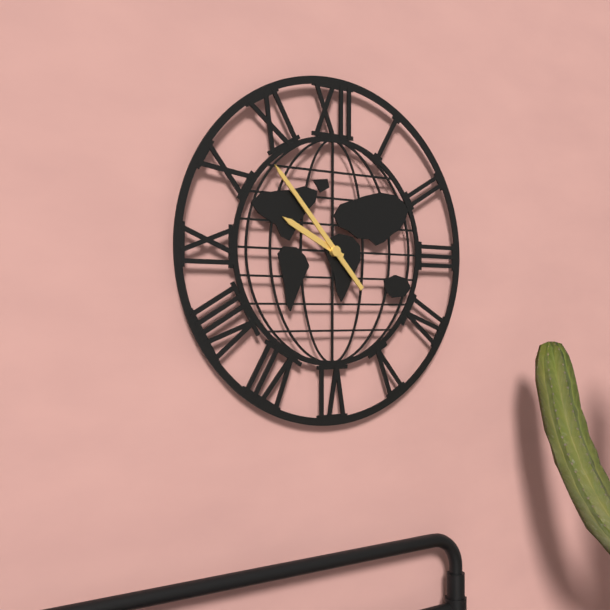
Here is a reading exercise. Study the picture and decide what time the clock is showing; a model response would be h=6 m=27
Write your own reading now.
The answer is h=9 m=53
